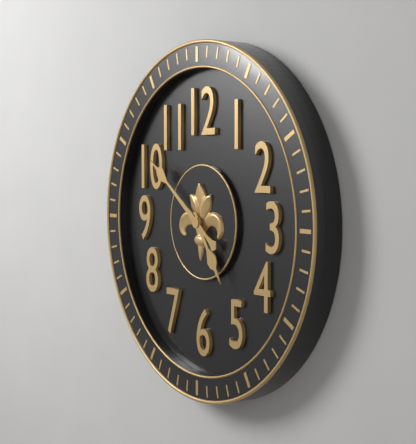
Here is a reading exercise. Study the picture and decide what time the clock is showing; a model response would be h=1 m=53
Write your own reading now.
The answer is h=4 m=51
